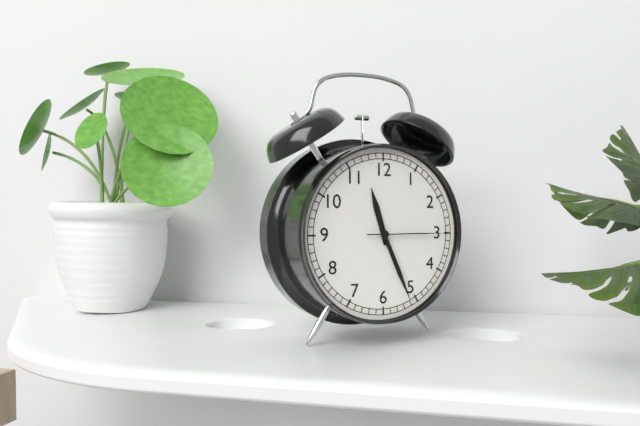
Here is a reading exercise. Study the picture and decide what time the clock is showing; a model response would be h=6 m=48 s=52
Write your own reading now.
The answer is h=11 m=26 s=15
